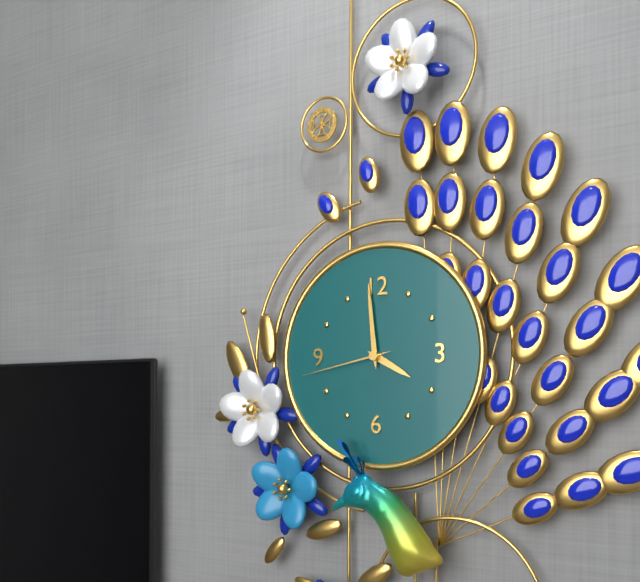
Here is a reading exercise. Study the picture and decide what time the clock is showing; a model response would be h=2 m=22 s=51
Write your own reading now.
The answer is h=3 m=59 s=43
